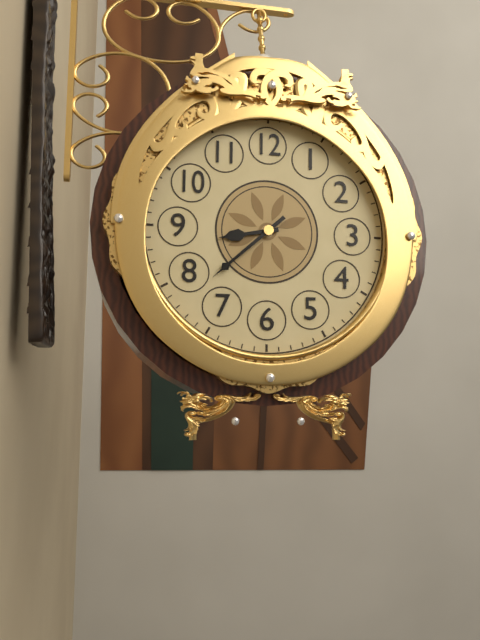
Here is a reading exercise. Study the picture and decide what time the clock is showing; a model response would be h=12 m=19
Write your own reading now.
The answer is h=8 m=38
